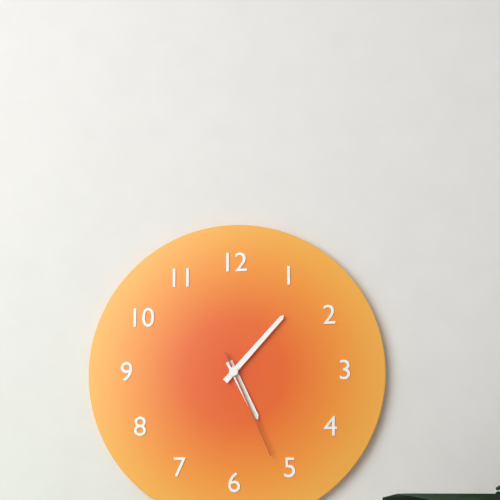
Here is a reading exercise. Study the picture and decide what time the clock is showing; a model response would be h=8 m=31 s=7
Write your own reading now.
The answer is h=5 m=7 s=26
